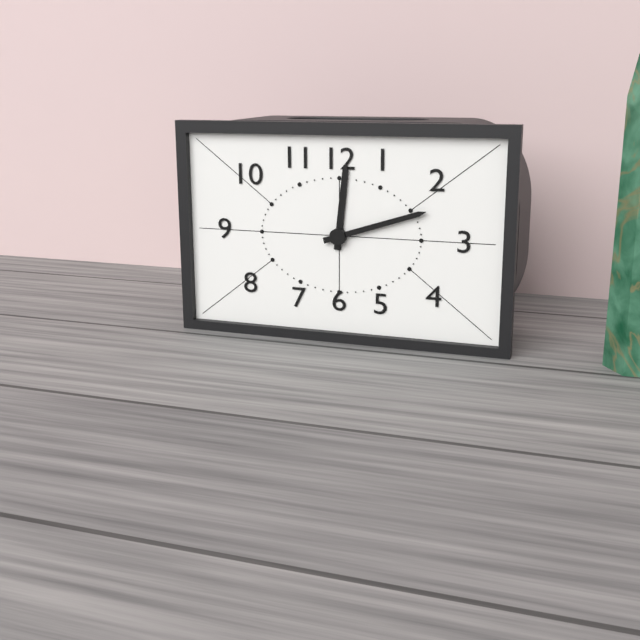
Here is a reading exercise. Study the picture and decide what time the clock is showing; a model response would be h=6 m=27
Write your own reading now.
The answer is h=12 m=12
